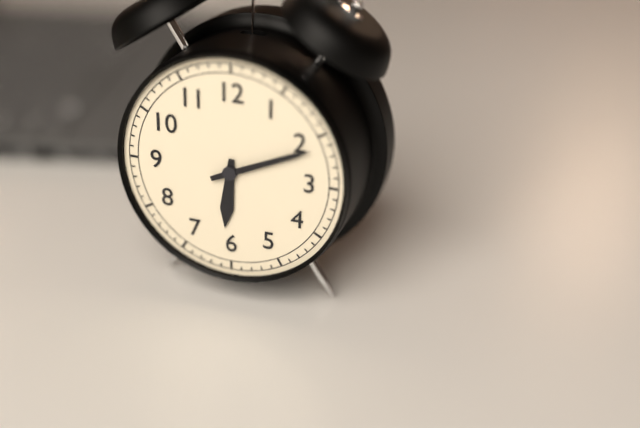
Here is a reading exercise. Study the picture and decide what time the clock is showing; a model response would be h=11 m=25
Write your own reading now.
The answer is h=6 m=11
